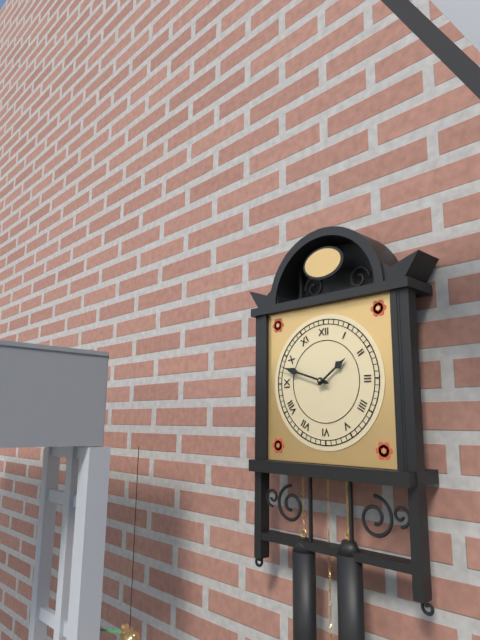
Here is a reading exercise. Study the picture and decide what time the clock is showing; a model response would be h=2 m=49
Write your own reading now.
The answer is h=1 m=48
